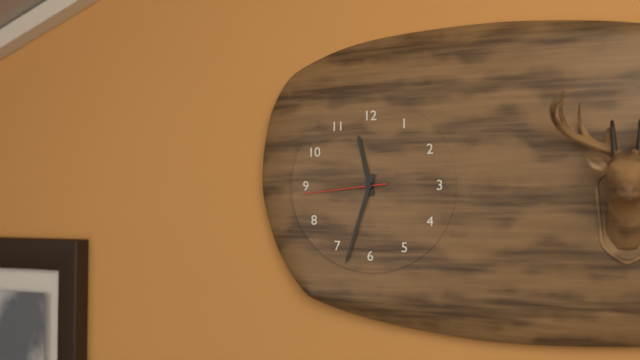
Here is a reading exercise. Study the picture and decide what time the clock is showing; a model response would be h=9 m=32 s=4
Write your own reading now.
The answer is h=11 m=33 s=44
